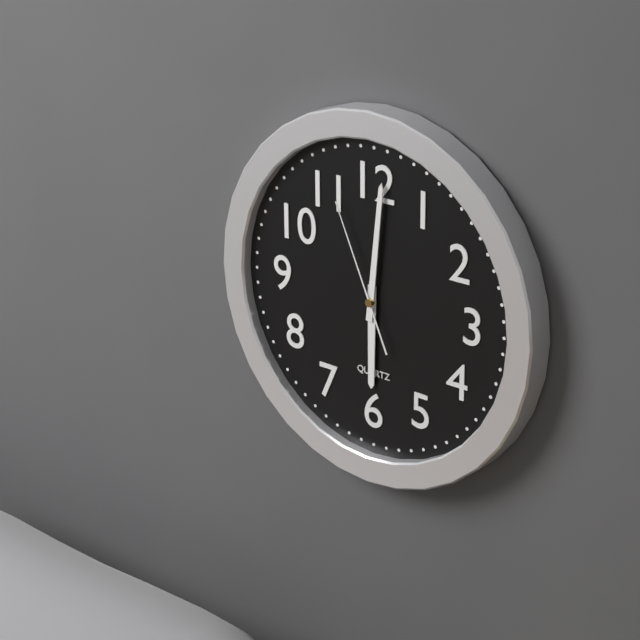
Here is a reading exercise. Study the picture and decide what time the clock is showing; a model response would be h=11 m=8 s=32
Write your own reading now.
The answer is h=6 m=1 s=56
